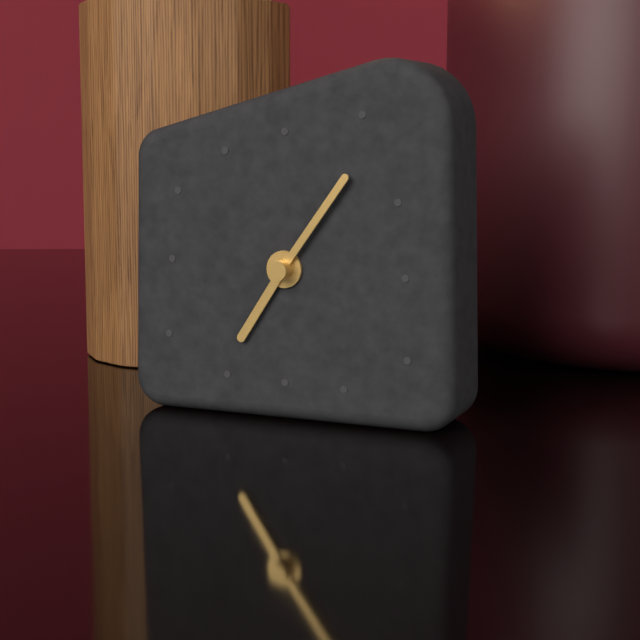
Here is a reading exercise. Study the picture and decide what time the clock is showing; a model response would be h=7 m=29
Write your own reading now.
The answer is h=7 m=6
